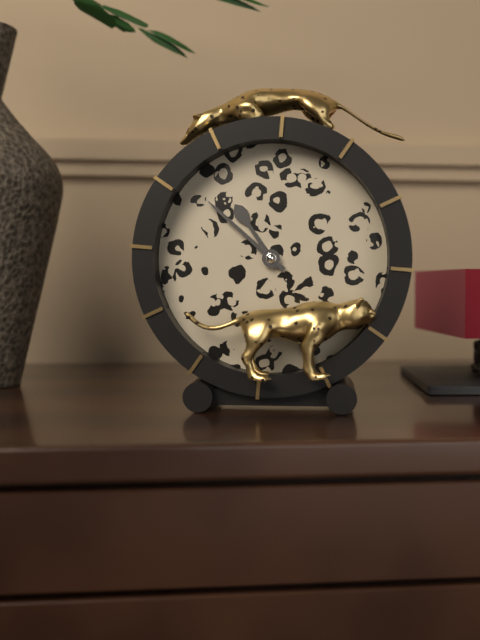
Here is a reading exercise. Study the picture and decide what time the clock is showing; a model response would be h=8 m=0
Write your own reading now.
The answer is h=10 m=52
